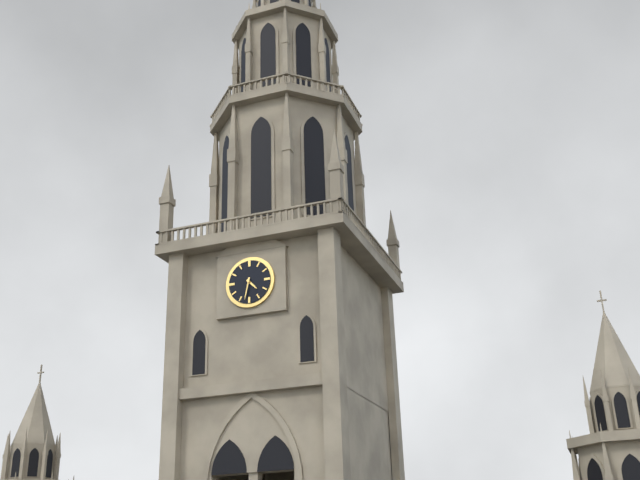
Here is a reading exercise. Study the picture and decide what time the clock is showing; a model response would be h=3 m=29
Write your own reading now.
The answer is h=4 m=32
